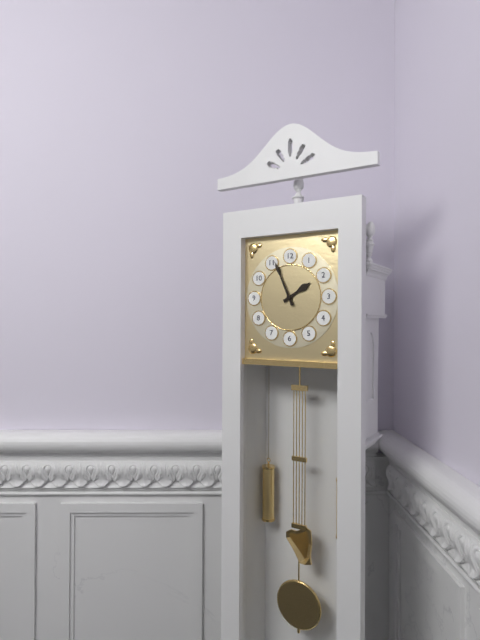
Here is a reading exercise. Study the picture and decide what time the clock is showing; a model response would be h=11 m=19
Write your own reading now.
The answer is h=1 m=56
